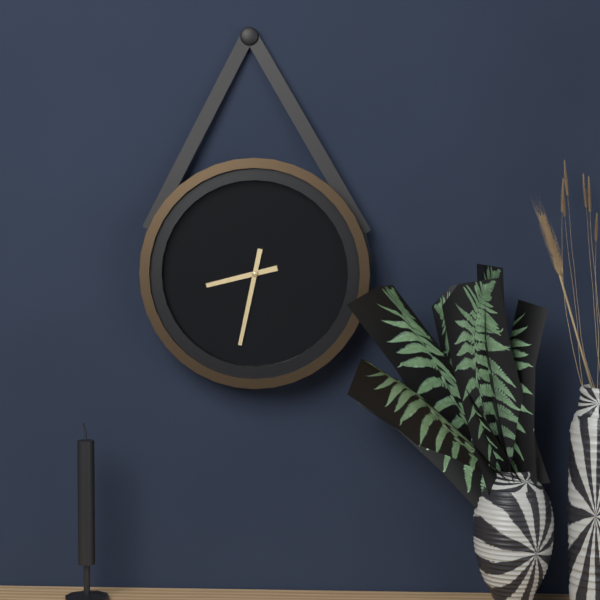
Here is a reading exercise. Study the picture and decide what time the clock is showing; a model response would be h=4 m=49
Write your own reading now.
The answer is h=8 m=32
